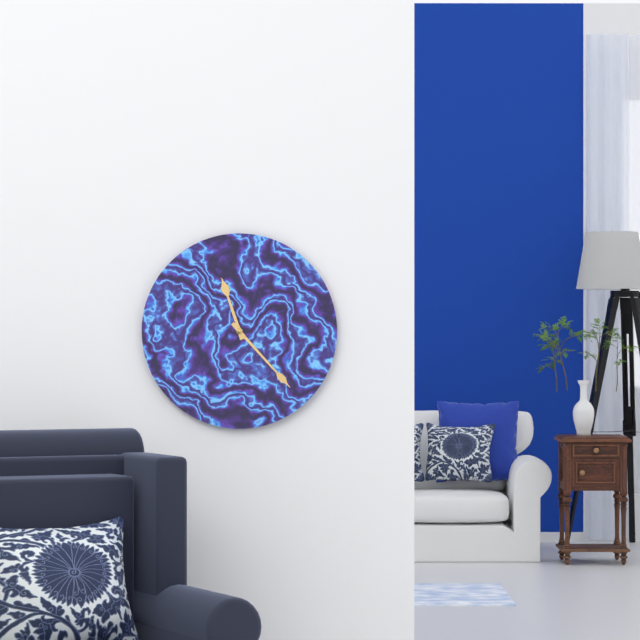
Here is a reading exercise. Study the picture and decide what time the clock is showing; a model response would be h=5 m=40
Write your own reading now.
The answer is h=11 m=23
